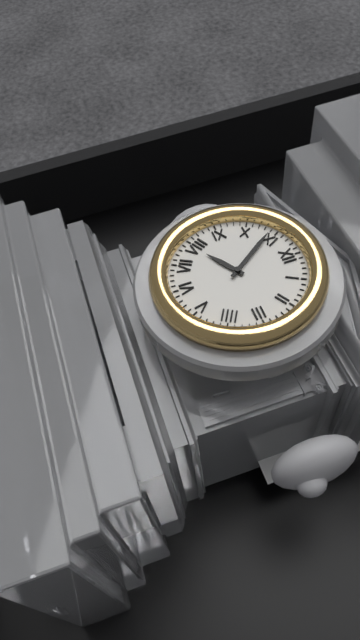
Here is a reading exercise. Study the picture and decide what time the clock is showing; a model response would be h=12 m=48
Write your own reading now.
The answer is h=7 m=54
